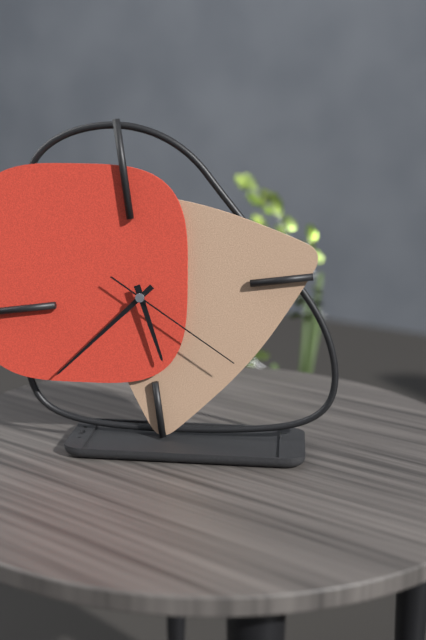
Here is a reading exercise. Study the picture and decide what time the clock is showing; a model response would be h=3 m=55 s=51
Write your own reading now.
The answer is h=5 m=39 s=22
